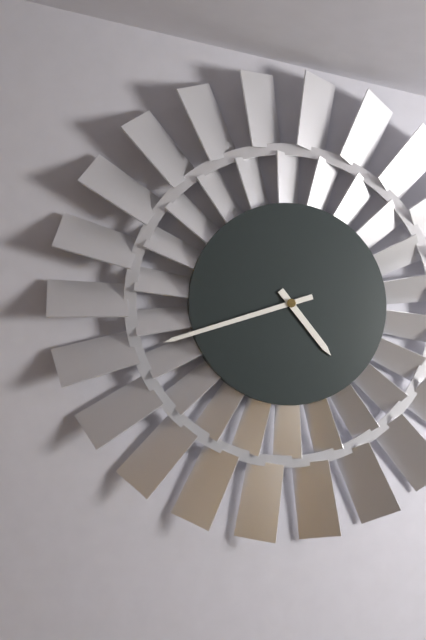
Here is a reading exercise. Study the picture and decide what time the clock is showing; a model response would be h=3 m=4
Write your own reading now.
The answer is h=4 m=42
